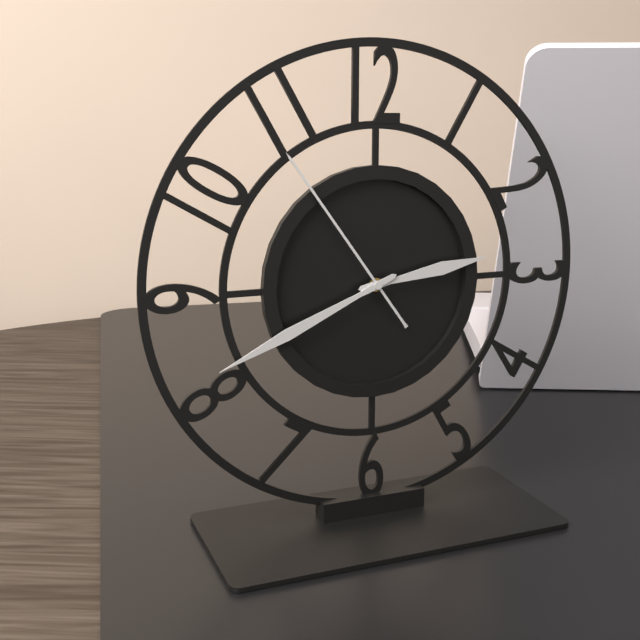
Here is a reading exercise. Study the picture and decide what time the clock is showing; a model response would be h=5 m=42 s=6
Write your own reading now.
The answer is h=2 m=41 s=54
